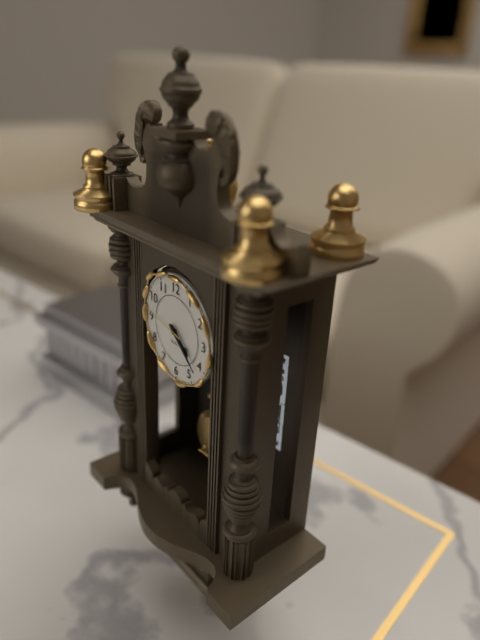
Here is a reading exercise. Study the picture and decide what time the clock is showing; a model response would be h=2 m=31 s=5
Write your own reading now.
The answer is h=4 m=22 s=47
